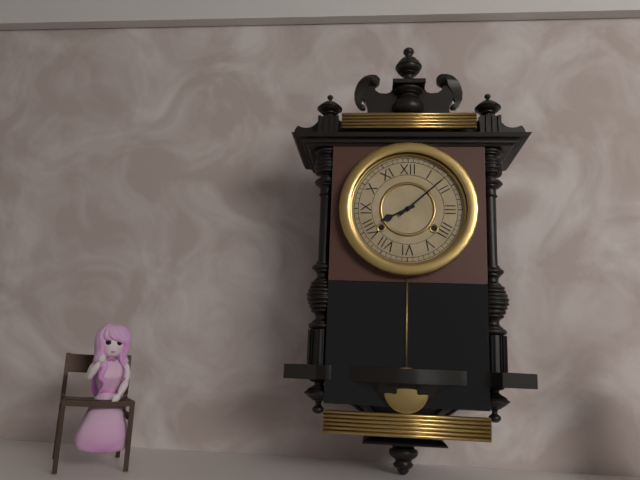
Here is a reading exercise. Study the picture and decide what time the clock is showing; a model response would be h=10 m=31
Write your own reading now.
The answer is h=8 m=8
